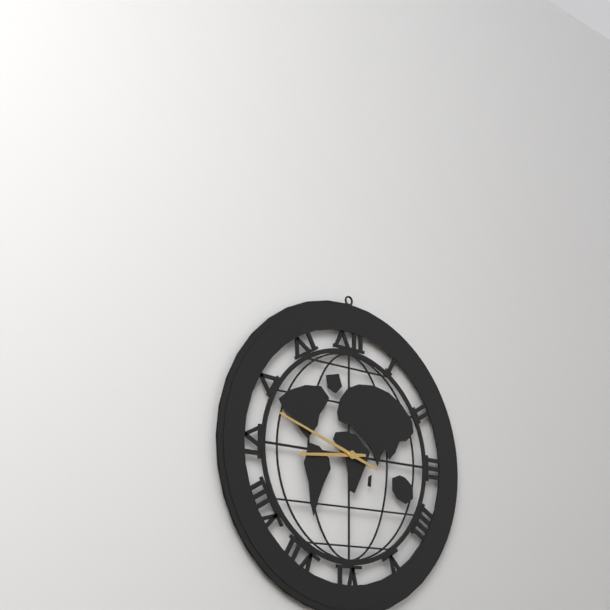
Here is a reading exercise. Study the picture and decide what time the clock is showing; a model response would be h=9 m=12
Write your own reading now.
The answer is h=8 m=48
